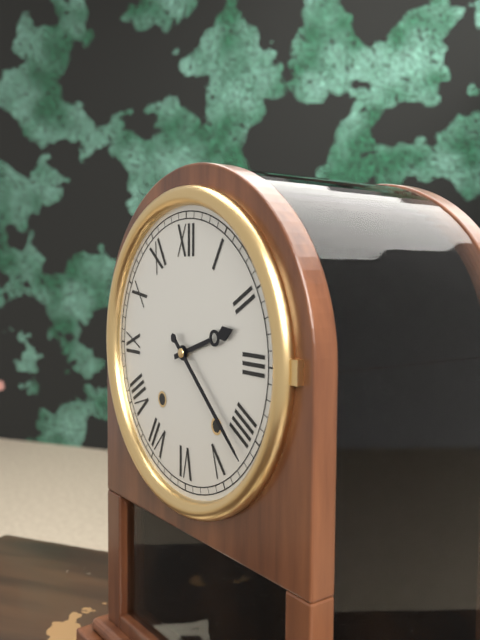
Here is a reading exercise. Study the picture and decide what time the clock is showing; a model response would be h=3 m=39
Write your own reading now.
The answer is h=2 m=22
